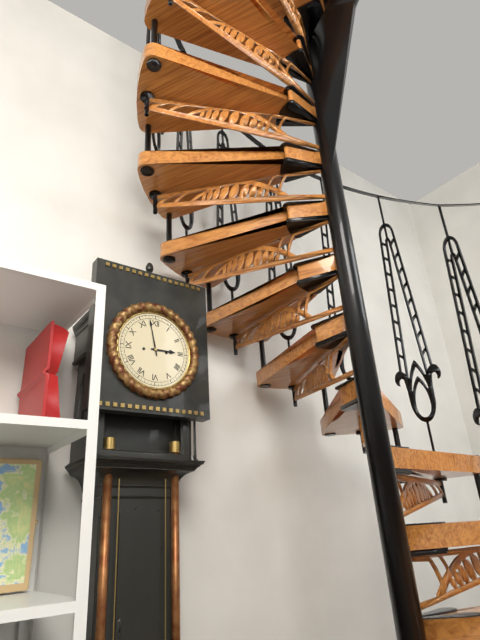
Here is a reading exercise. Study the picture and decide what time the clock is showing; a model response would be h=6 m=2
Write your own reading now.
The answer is h=2 m=58
